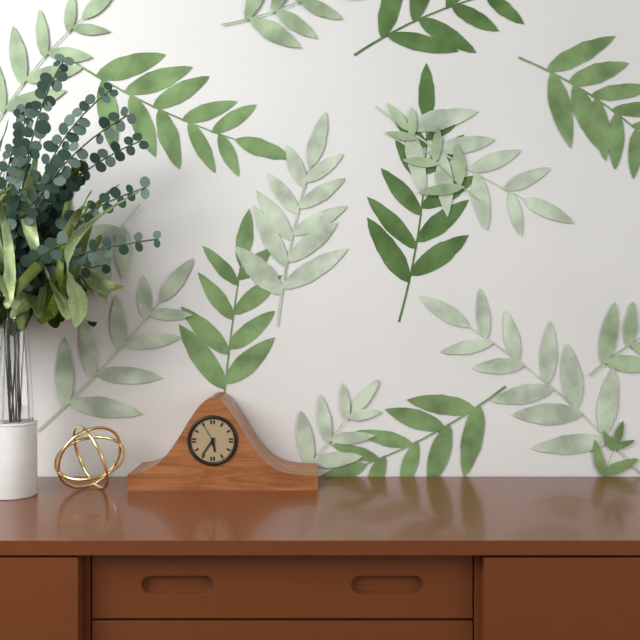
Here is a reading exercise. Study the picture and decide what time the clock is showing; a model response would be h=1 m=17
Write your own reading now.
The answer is h=5 m=36
